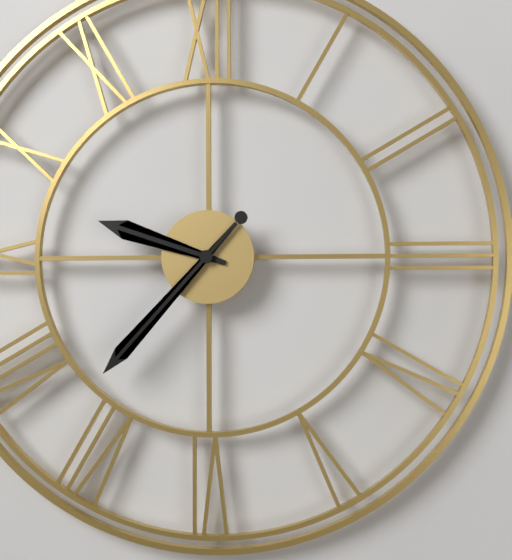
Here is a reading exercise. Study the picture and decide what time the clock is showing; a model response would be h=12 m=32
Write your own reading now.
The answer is h=9 m=37
